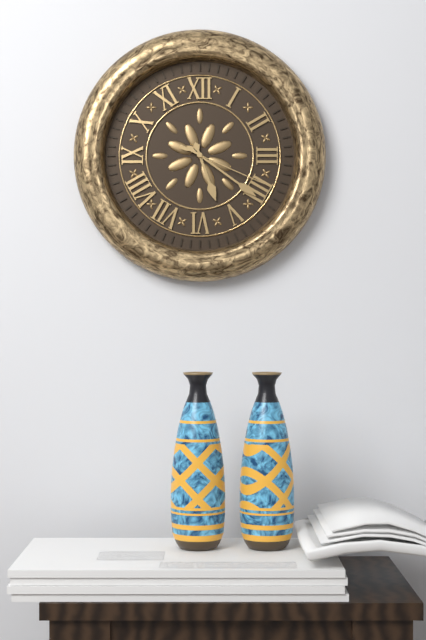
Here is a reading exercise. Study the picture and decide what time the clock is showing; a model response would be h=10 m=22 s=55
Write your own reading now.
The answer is h=5 m=21 s=19
